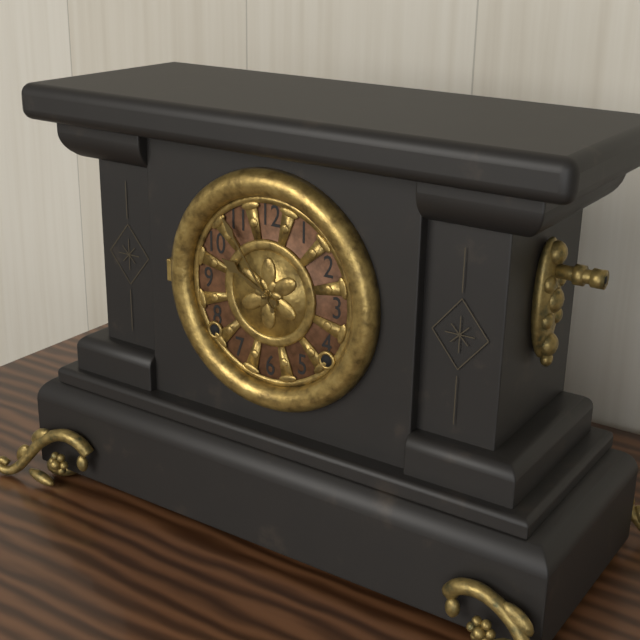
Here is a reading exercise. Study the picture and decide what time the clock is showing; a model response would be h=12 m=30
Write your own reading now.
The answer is h=9 m=54
